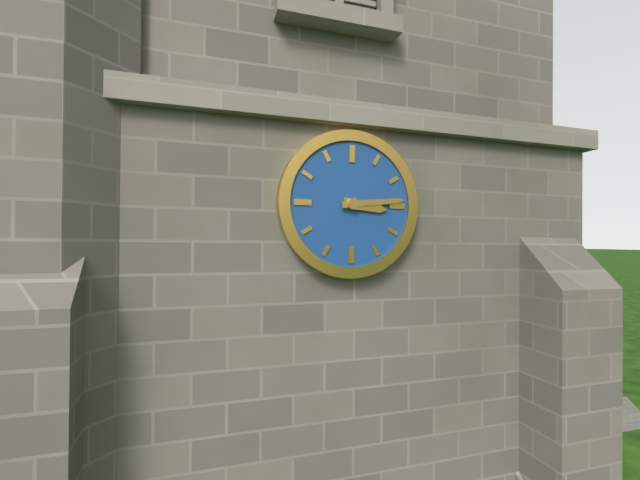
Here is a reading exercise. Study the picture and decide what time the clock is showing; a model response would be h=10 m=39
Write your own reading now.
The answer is h=3 m=14
